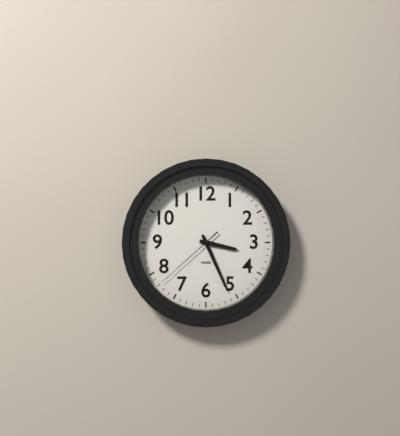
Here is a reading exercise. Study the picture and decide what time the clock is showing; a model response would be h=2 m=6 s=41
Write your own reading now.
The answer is h=3 m=26 s=38
